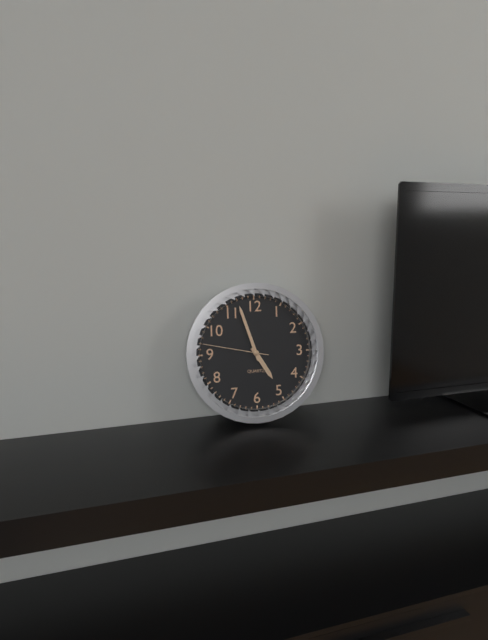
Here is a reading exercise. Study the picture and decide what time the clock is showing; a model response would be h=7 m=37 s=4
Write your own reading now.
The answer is h=4 m=57 s=47
